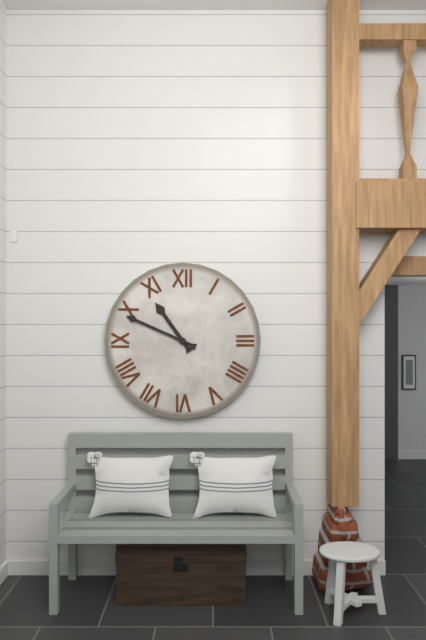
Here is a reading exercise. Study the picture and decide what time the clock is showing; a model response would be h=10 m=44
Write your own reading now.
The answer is h=10 m=49
